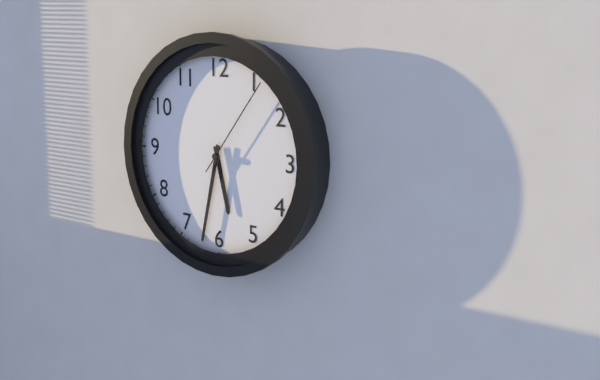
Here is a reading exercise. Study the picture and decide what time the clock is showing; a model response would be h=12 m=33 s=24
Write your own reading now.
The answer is h=5 m=32 s=6
